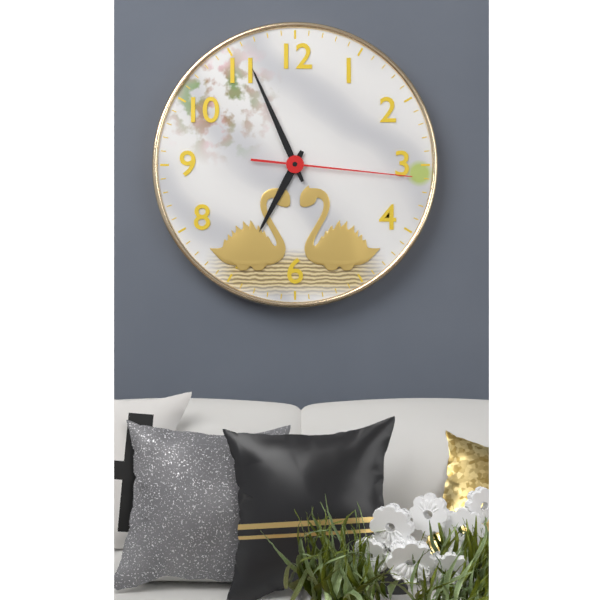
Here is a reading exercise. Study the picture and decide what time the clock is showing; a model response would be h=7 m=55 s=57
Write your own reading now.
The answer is h=6 m=56 s=16
